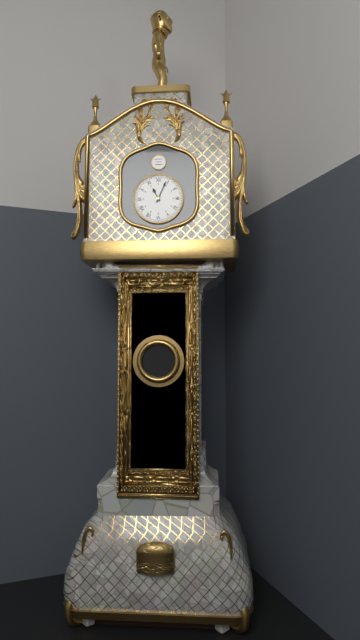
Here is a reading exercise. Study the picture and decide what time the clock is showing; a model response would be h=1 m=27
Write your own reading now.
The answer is h=11 m=4
